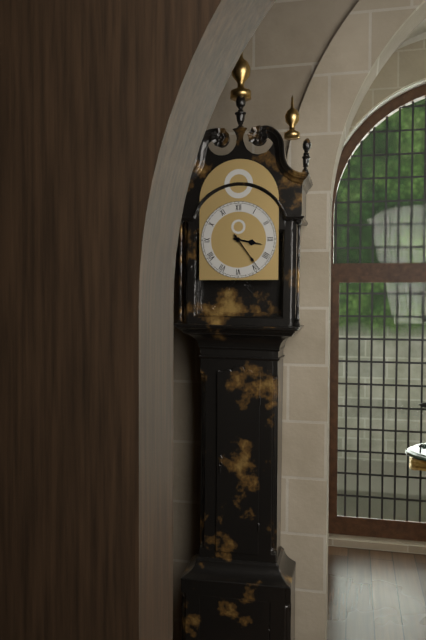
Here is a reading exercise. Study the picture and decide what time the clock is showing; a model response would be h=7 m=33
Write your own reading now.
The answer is h=3 m=24
